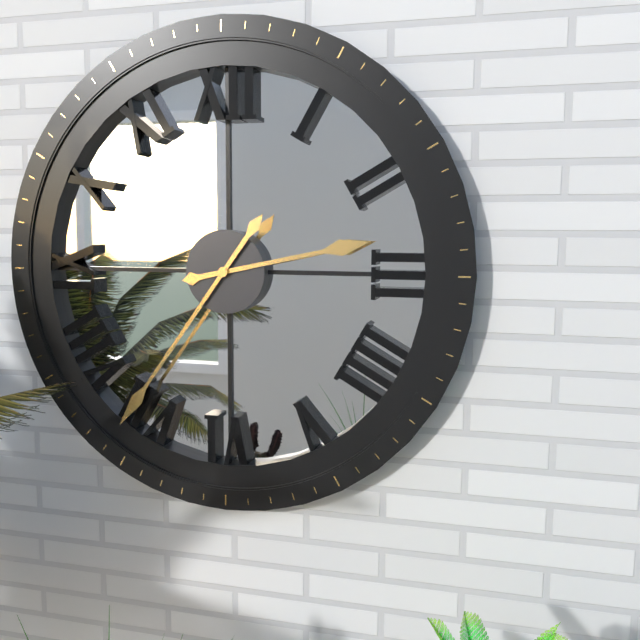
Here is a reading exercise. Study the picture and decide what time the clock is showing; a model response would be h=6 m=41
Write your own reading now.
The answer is h=2 m=36
